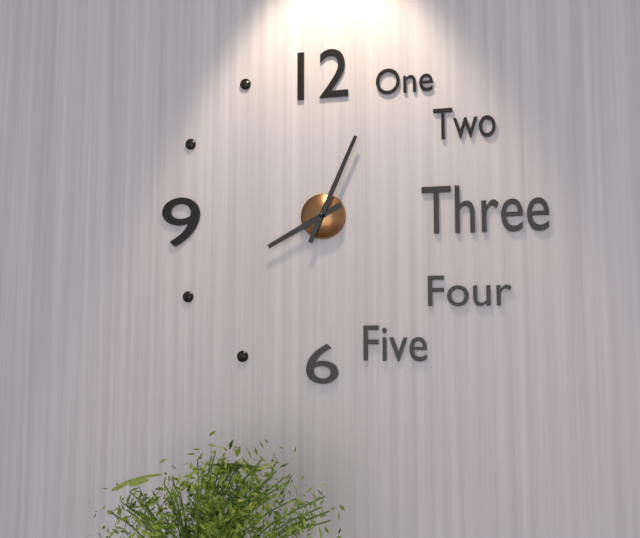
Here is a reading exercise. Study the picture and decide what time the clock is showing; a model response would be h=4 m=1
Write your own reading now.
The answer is h=8 m=4
